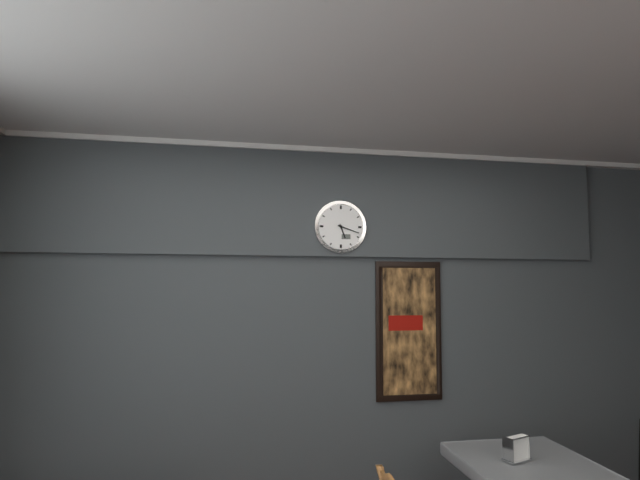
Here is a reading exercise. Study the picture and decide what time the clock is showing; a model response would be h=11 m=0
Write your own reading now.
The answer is h=5 m=18
